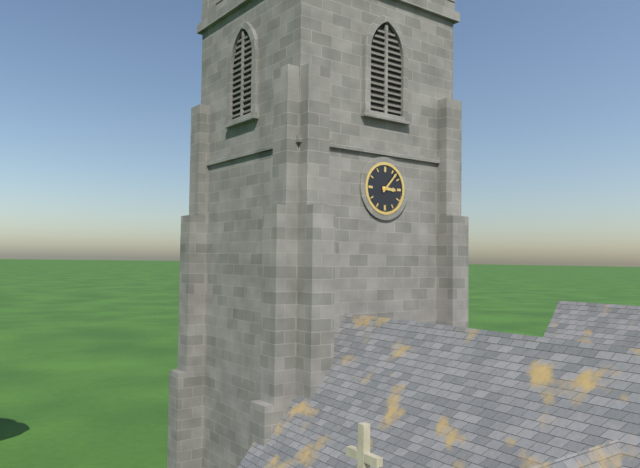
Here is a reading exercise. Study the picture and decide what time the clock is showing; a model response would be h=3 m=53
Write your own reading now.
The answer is h=3 m=7
